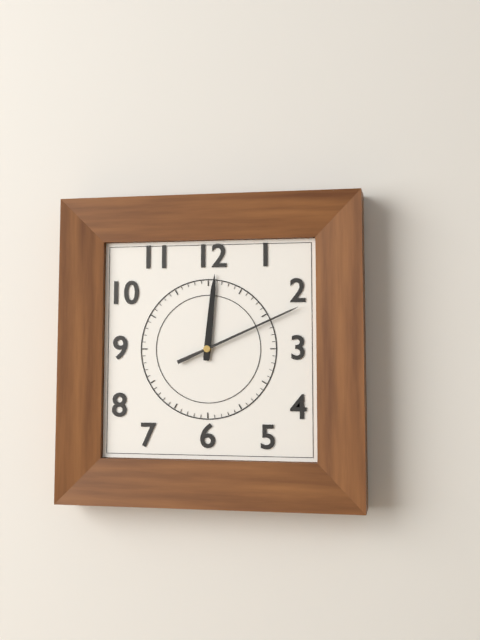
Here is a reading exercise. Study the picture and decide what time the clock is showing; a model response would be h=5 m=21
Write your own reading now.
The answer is h=12 m=11
